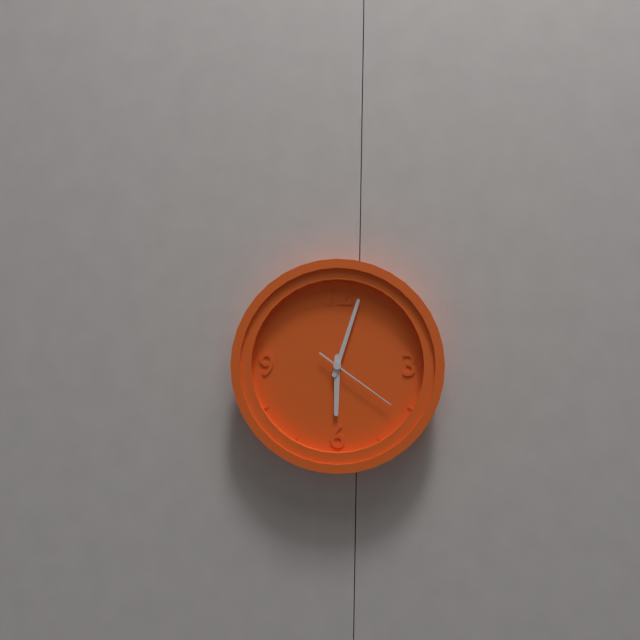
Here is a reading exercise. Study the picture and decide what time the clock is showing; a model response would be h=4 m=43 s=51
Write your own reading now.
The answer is h=6 m=3 s=21
